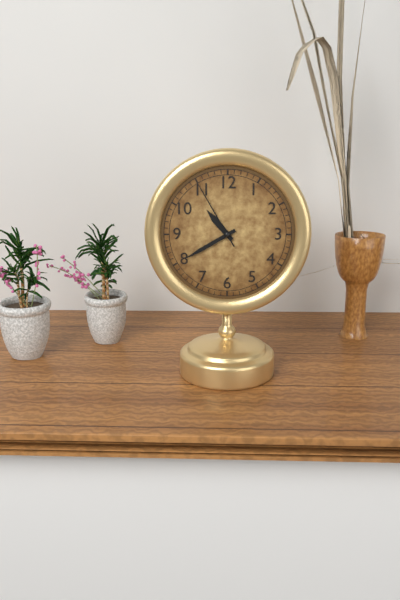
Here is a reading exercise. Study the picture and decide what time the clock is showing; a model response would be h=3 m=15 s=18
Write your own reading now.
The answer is h=10 m=40 s=55
